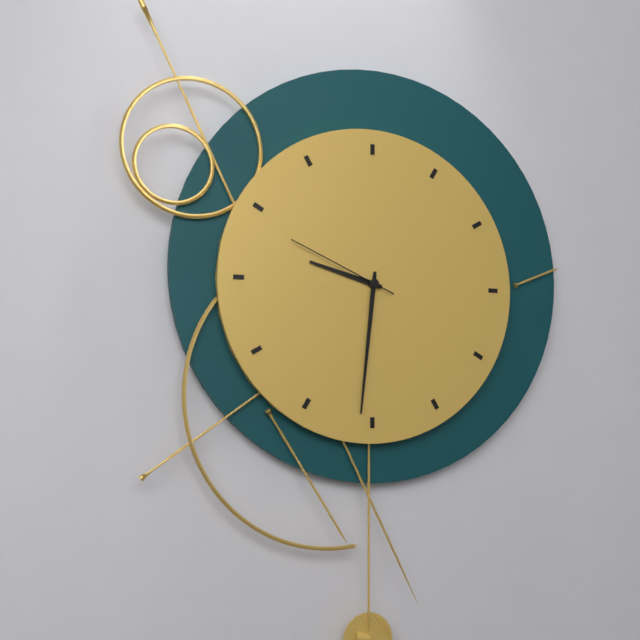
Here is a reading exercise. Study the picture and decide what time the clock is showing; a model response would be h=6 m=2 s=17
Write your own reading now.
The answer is h=9 m=31 s=49
